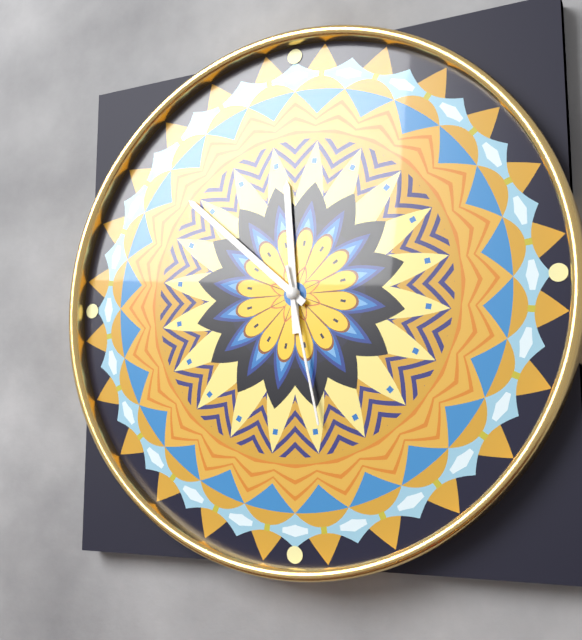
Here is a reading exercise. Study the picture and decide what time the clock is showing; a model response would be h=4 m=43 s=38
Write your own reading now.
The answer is h=11 m=52 s=28
